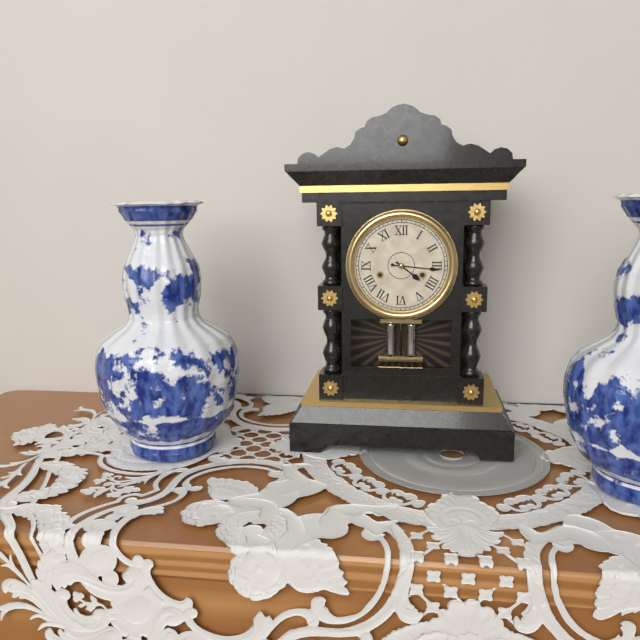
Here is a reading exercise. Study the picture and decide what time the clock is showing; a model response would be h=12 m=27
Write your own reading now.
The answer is h=4 m=16
